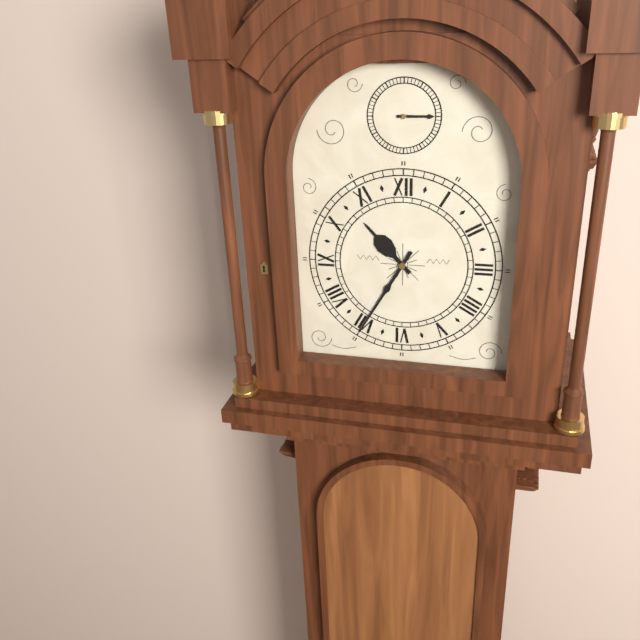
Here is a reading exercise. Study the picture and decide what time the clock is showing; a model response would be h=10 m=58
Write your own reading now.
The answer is h=10 m=35
